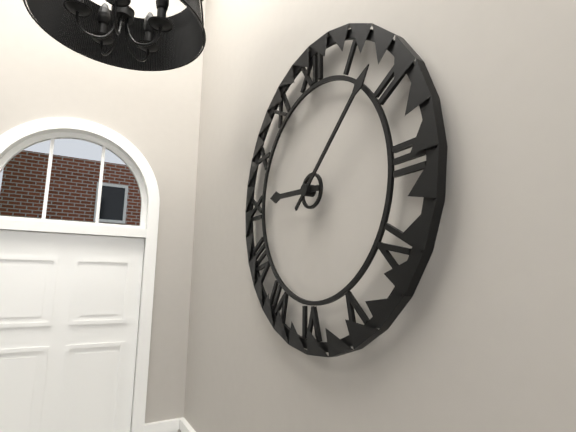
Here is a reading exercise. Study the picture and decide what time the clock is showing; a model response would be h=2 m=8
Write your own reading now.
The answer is h=9 m=8
